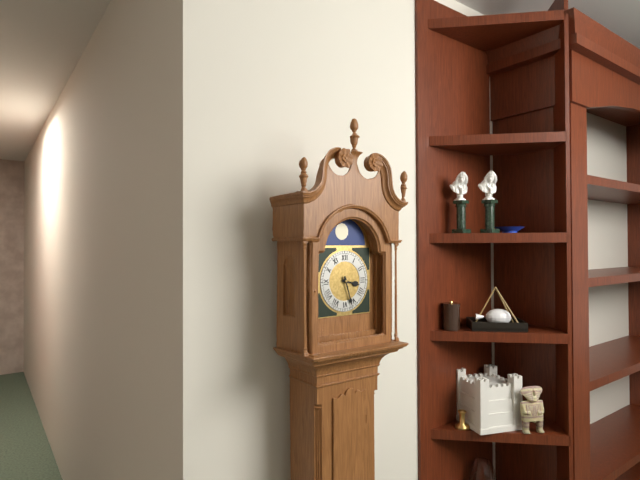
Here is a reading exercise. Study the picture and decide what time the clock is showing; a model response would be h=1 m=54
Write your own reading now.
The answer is h=3 m=27
